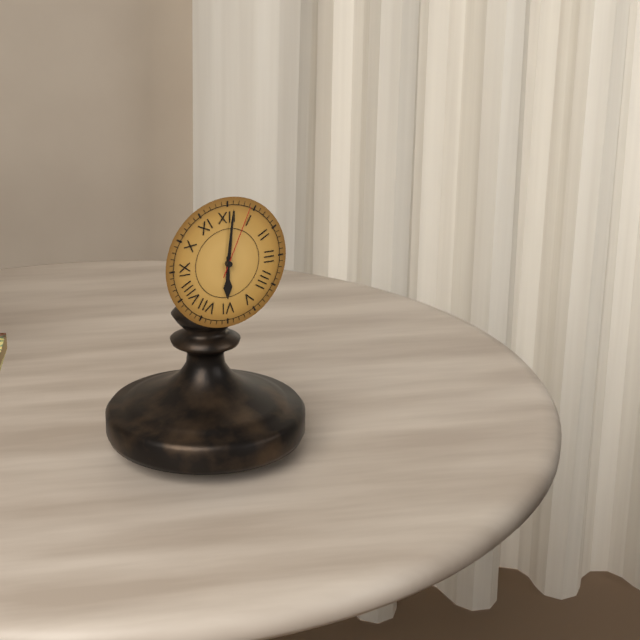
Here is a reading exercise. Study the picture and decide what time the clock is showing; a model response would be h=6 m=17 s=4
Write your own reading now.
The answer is h=6 m=1 s=4
